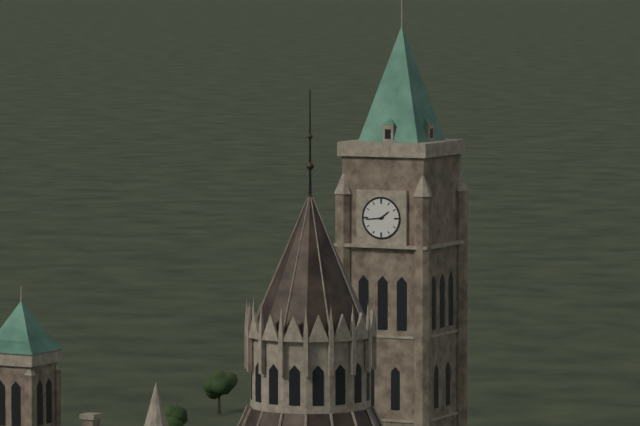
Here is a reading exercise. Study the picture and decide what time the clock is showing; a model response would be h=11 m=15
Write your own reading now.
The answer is h=1 m=44
